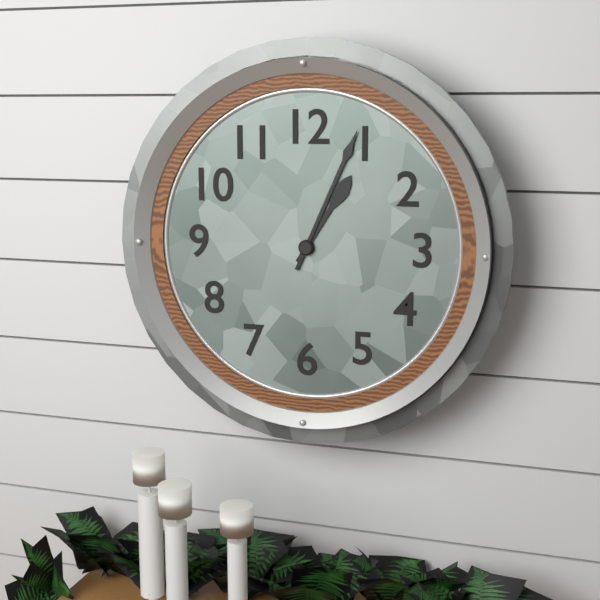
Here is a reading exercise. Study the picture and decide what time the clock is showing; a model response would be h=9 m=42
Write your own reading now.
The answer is h=1 m=4
